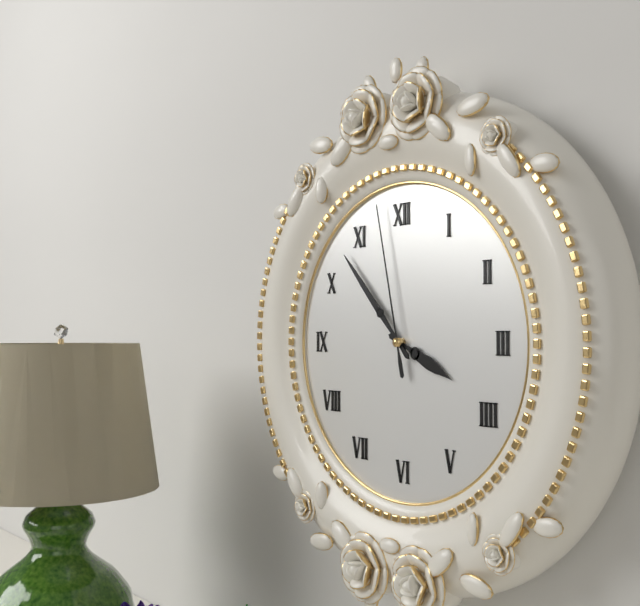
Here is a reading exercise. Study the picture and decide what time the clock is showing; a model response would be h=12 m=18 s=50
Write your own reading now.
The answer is h=3 m=53 s=58
